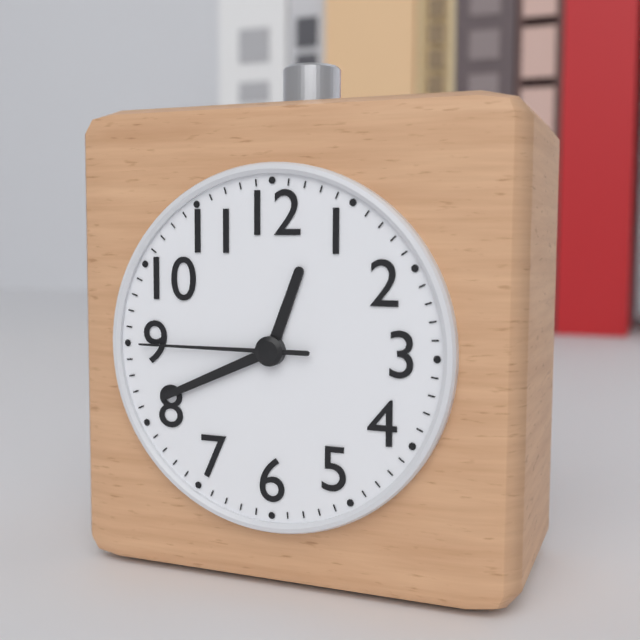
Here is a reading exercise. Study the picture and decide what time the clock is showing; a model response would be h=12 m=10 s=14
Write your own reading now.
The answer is h=12 m=41 s=45
